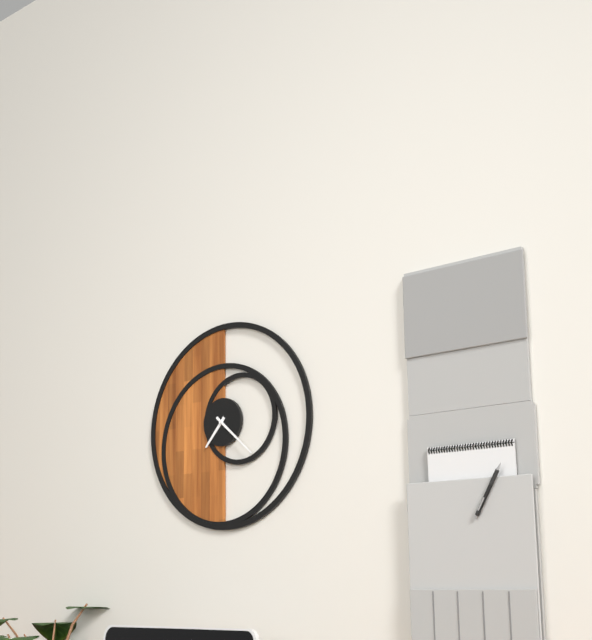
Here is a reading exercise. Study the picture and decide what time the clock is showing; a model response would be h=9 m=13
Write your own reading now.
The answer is h=7 m=22
